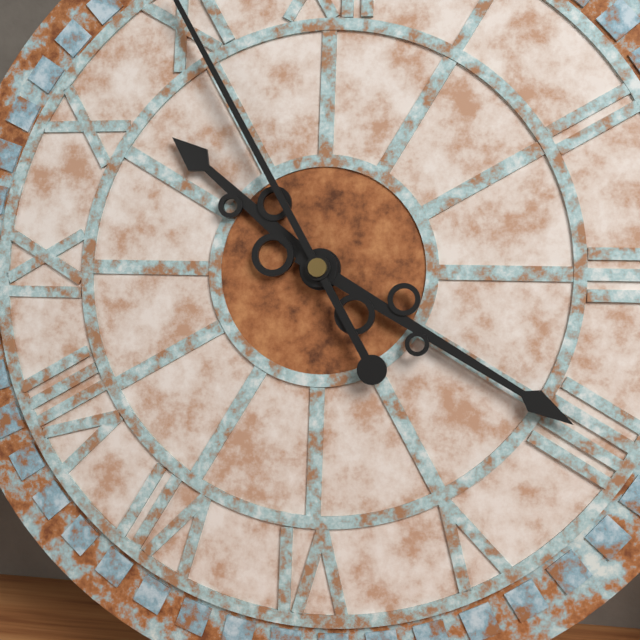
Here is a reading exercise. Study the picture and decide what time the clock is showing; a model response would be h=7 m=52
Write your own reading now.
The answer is h=10 m=20
